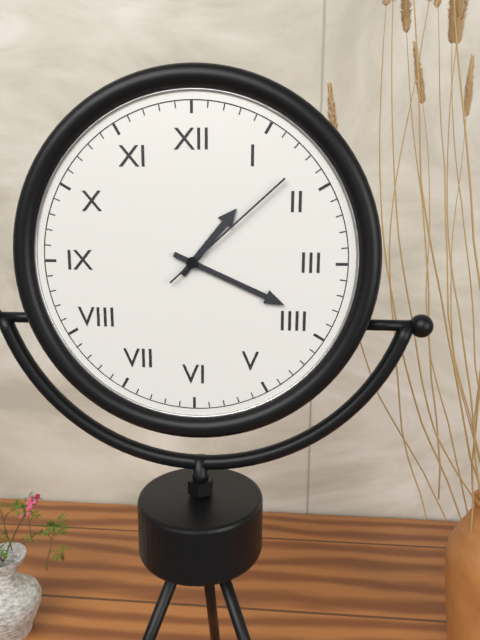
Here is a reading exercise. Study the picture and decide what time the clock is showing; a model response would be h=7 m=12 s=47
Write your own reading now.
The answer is h=1 m=19 s=8
